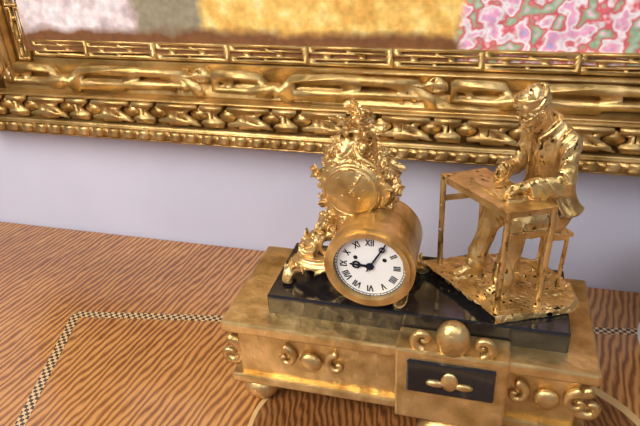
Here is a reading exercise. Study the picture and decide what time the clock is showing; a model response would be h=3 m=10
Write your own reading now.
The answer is h=9 m=5
